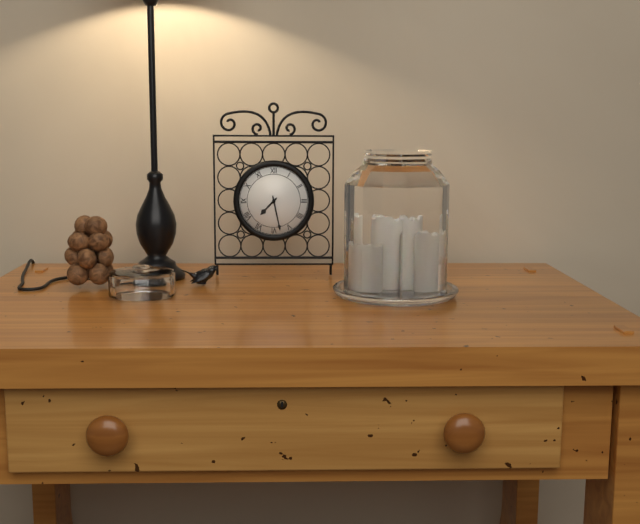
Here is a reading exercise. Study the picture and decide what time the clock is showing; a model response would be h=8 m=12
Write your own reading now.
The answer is h=7 m=28
